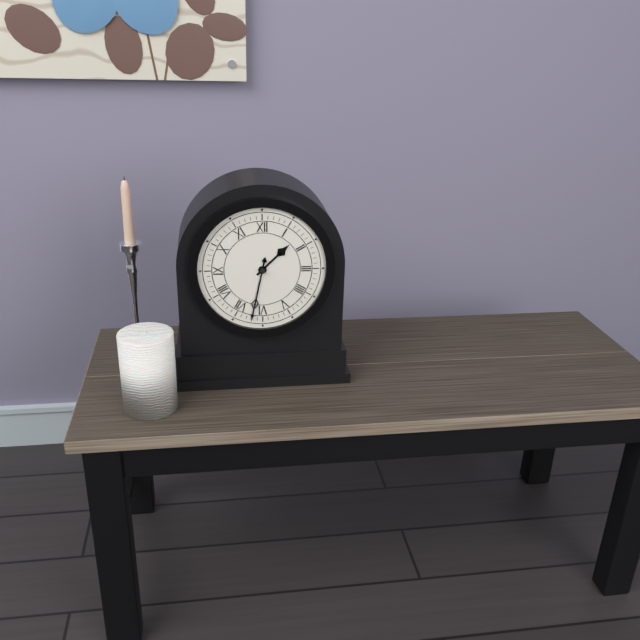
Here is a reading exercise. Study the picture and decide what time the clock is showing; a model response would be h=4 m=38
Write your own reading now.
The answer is h=1 m=32
